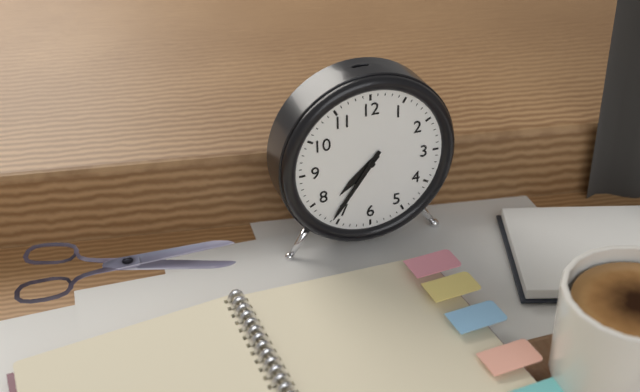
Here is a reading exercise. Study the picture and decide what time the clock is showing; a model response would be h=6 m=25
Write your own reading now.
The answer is h=7 m=36
